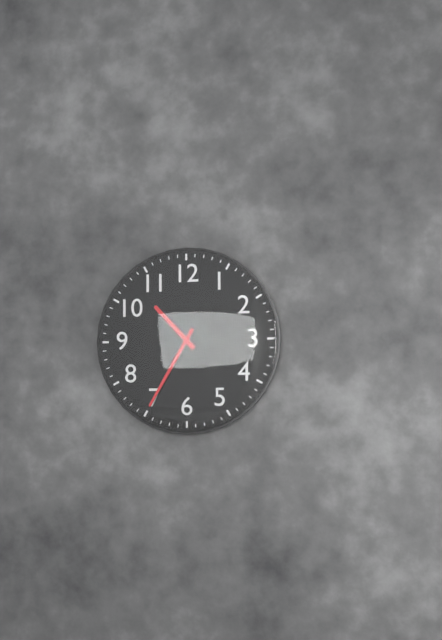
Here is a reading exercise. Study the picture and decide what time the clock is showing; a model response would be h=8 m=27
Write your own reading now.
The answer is h=10 m=35
